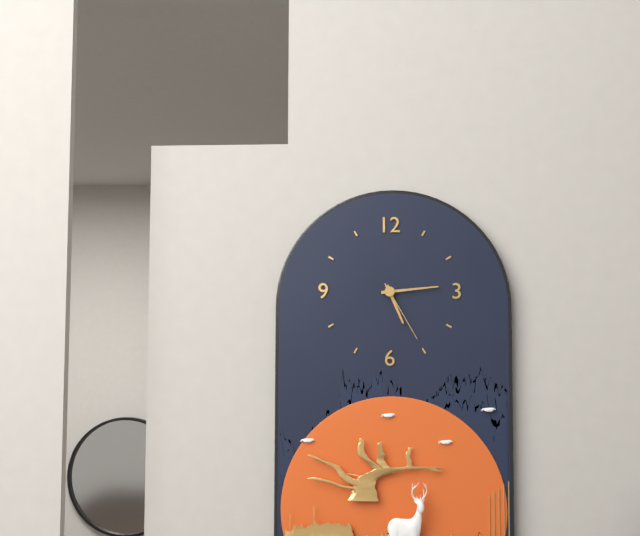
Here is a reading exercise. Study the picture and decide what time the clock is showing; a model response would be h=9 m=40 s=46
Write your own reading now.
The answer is h=5 m=14 s=25
